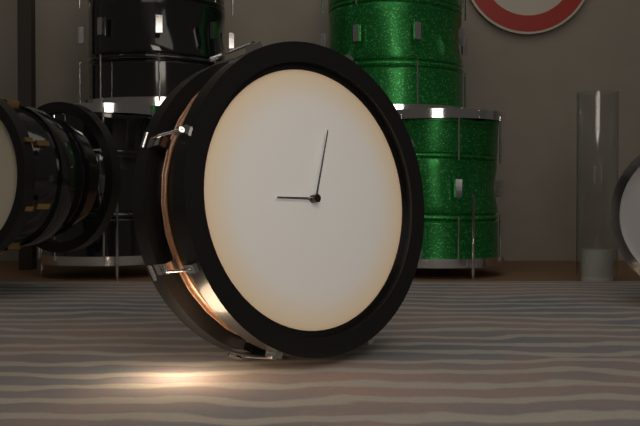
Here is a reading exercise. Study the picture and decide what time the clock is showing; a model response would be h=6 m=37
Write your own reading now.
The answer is h=9 m=3
